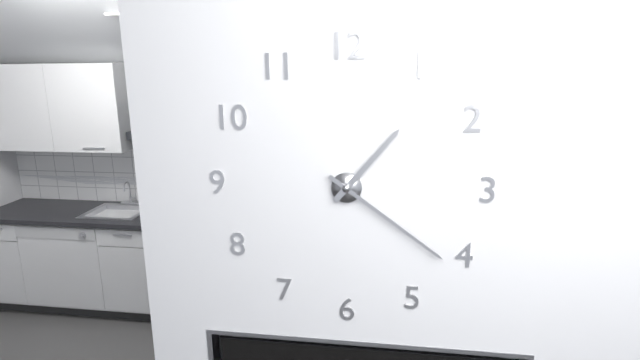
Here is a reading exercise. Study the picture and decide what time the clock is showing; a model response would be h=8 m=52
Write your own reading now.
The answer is h=1 m=21
